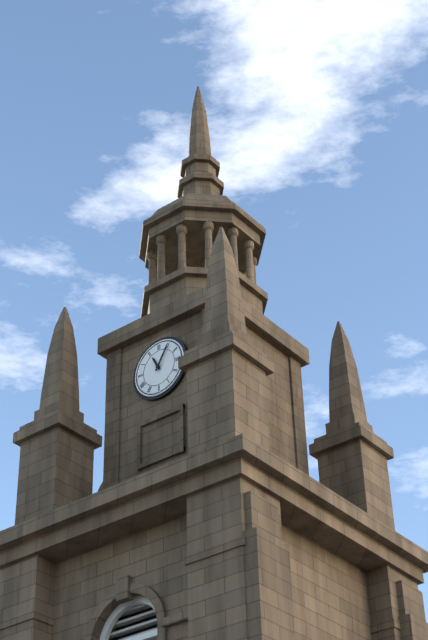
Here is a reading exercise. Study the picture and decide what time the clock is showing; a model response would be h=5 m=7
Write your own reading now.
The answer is h=11 m=5
